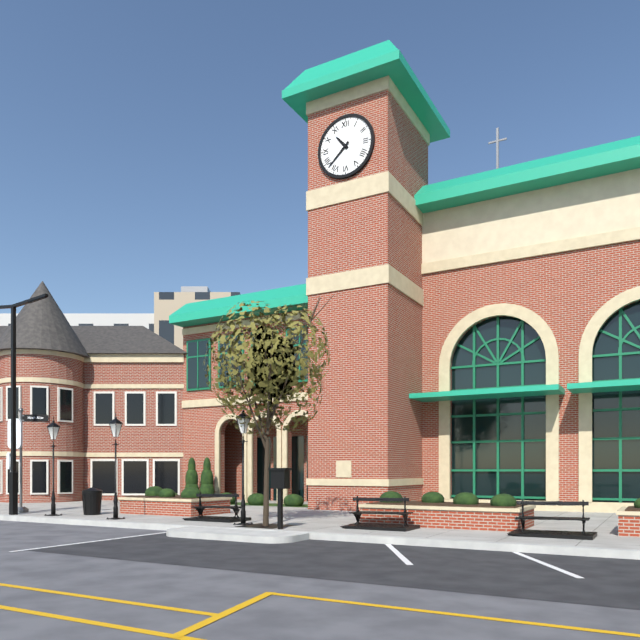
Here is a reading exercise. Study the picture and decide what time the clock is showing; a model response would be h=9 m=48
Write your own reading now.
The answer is h=10 m=38
